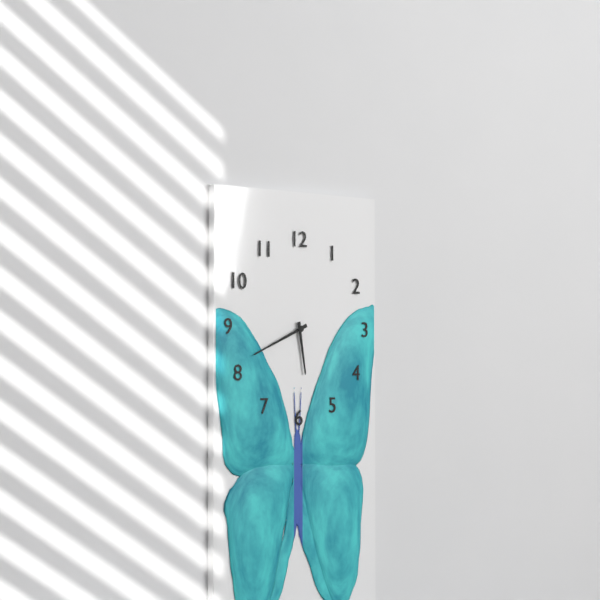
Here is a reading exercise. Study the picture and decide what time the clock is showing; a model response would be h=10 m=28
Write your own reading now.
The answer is h=5 m=41
